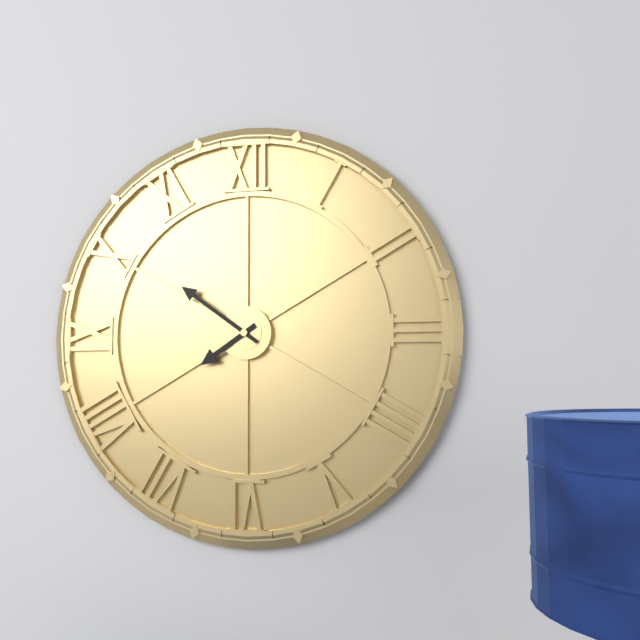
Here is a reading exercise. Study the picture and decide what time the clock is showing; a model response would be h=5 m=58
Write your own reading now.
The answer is h=7 m=51
